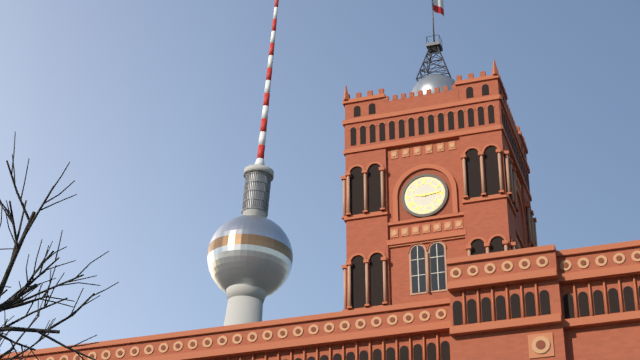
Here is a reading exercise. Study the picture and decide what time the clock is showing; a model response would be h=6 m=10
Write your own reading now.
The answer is h=9 m=14
